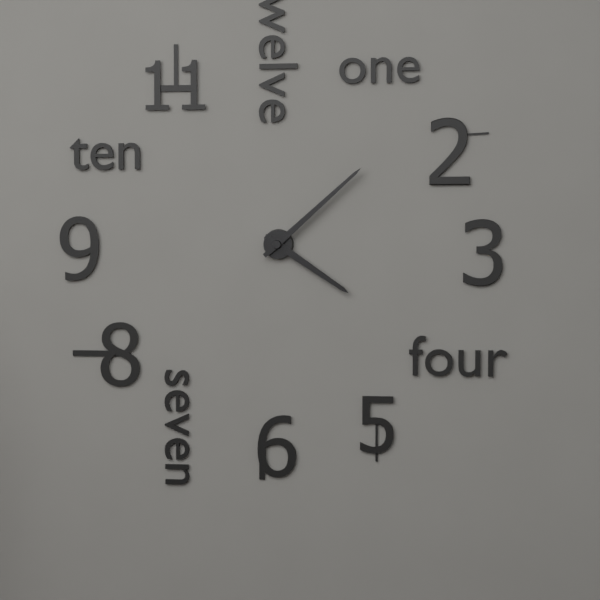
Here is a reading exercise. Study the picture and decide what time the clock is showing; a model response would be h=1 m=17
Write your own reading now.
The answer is h=4 m=8
